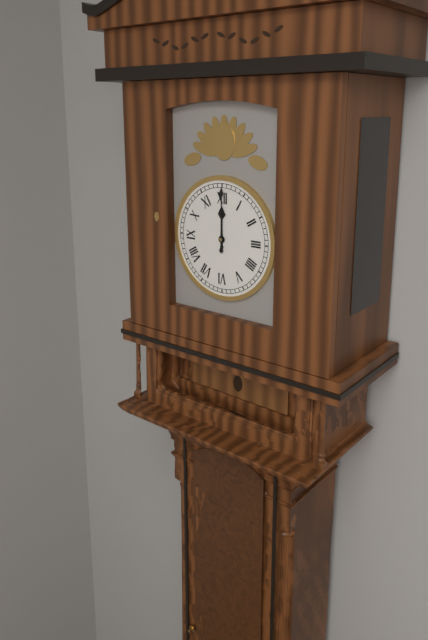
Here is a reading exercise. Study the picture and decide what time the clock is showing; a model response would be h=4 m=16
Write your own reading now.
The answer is h=12 m=0
